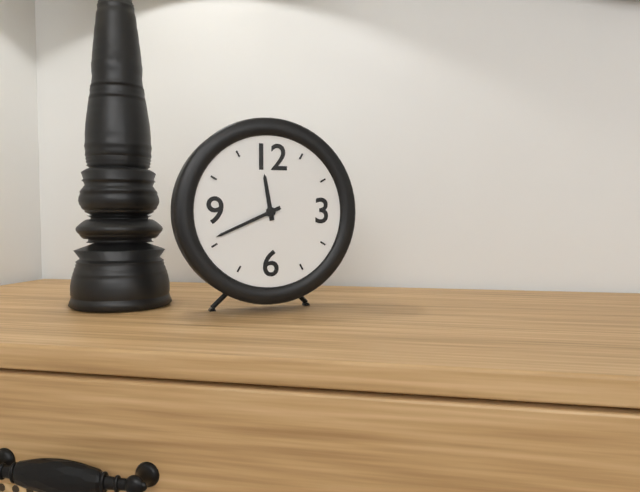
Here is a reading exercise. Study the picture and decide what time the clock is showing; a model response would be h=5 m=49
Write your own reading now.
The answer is h=11 m=41
